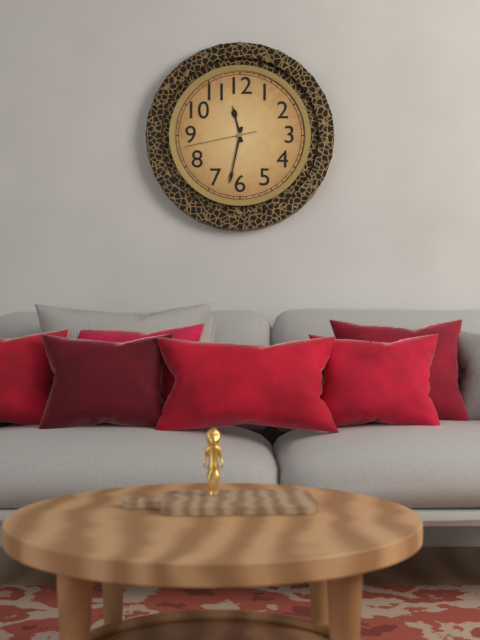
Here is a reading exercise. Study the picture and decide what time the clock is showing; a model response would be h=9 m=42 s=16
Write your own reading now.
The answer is h=11 m=32 s=43
